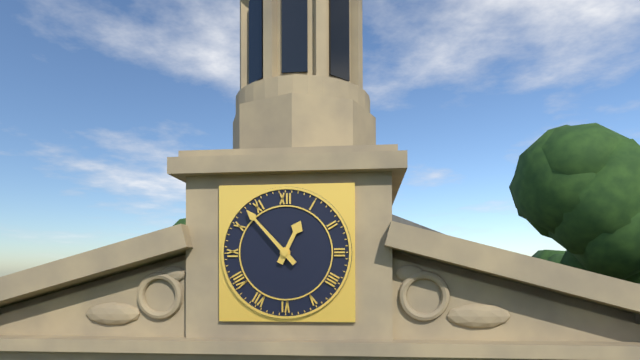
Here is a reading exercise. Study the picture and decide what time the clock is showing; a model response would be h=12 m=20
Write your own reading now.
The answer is h=12 m=53
